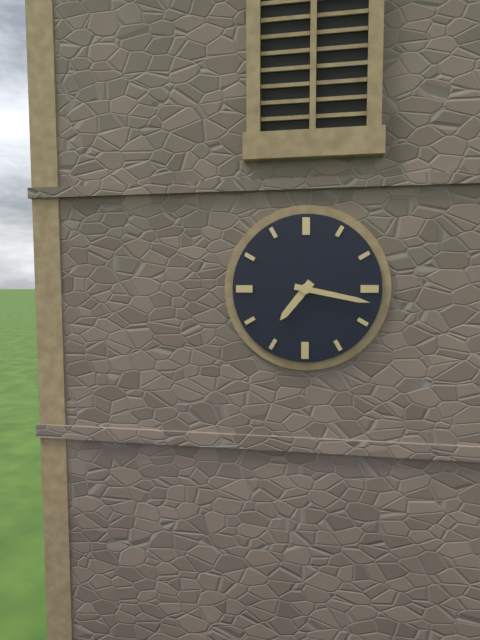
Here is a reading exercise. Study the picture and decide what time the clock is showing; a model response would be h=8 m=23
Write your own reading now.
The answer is h=7 m=17
